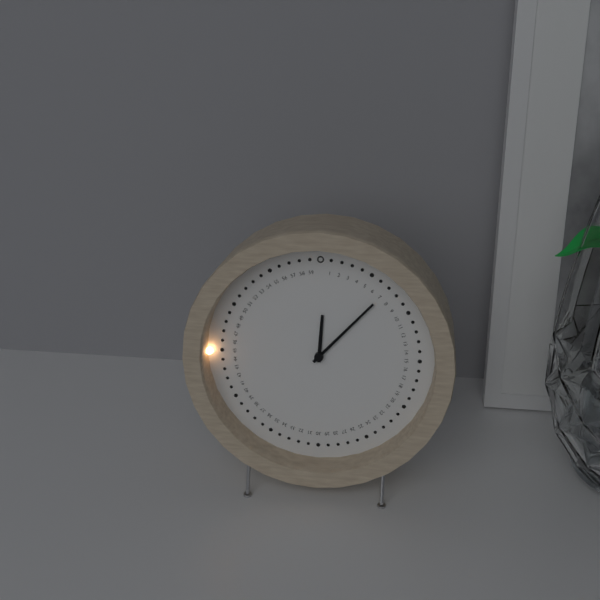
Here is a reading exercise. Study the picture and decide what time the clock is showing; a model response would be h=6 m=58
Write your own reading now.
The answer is h=12 m=7
